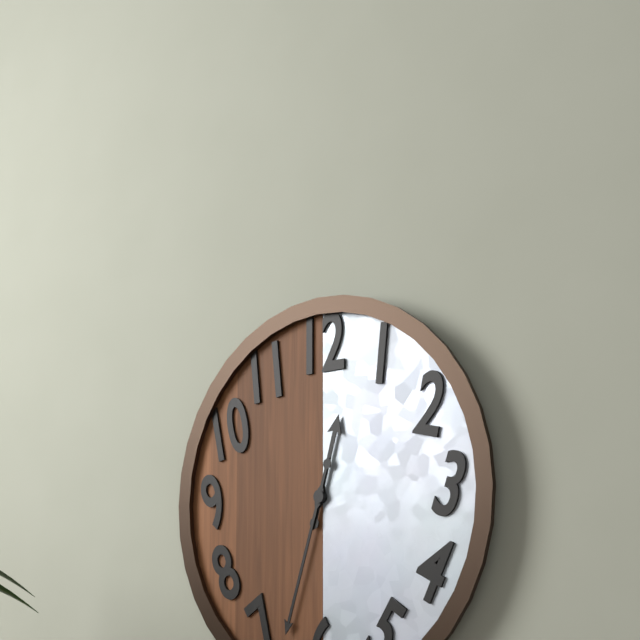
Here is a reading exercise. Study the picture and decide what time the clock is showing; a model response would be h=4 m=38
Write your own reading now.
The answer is h=12 m=33
